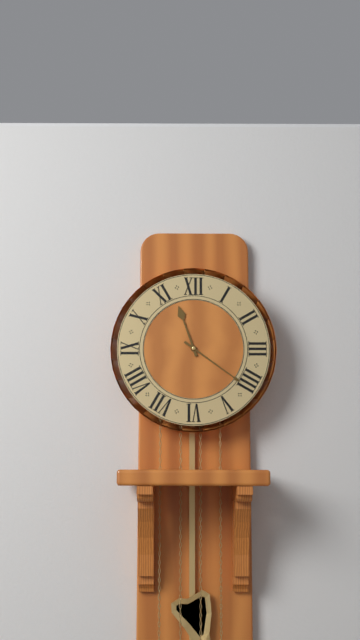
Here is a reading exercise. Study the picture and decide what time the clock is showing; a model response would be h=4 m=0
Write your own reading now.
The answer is h=11 m=21
